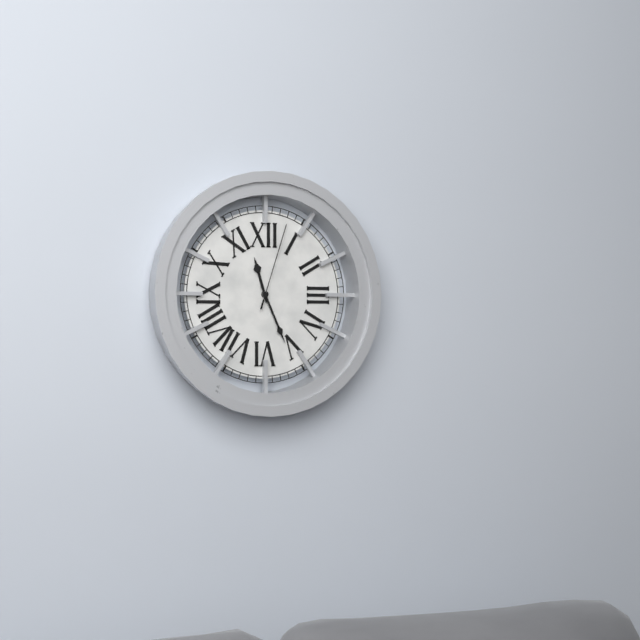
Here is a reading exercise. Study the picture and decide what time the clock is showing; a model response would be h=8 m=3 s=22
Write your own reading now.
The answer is h=11 m=26 s=3
